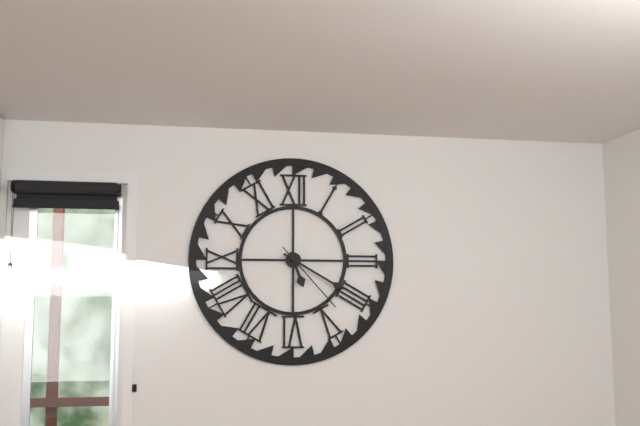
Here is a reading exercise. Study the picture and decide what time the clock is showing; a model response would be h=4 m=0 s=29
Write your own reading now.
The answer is h=5 m=20 s=23
